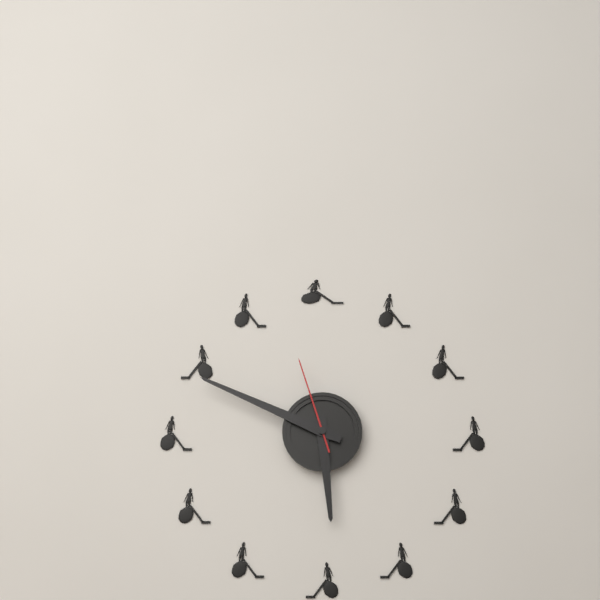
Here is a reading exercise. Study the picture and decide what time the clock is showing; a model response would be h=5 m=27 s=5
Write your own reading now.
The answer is h=5 m=49 s=57
